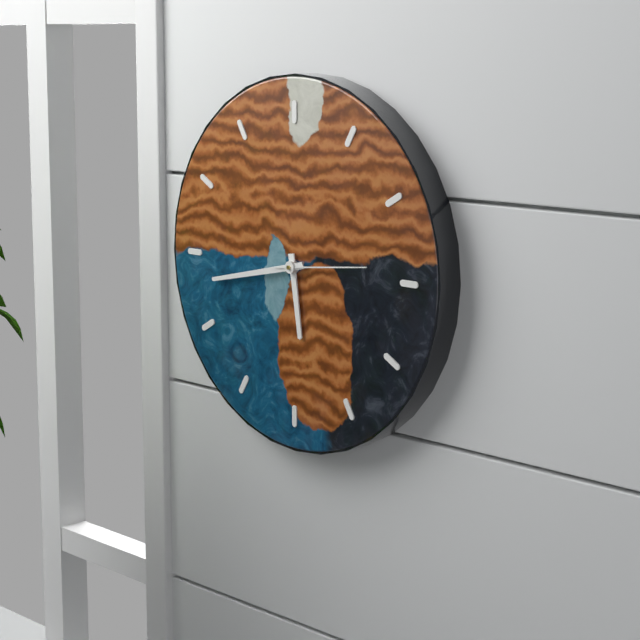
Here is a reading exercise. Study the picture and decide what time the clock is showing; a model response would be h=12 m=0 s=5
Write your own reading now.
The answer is h=5 m=43 s=14
